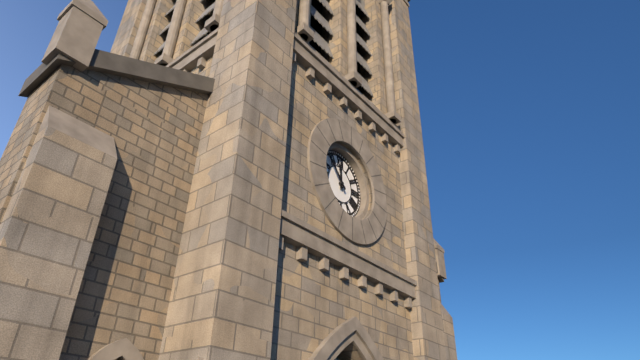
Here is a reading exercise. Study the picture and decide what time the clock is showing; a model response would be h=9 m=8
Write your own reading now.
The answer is h=11 m=53
